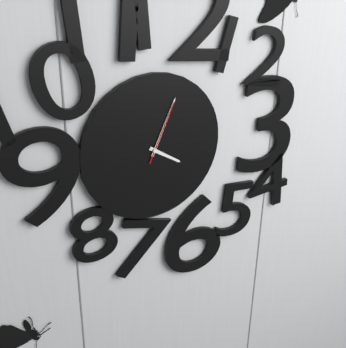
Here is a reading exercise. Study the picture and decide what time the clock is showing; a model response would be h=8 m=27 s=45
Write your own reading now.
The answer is h=4 m=4 s=4
